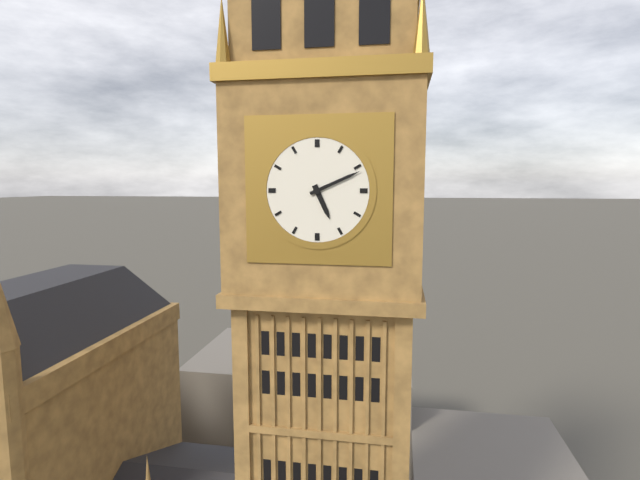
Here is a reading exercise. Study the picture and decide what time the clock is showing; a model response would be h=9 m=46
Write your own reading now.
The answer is h=5 m=11
